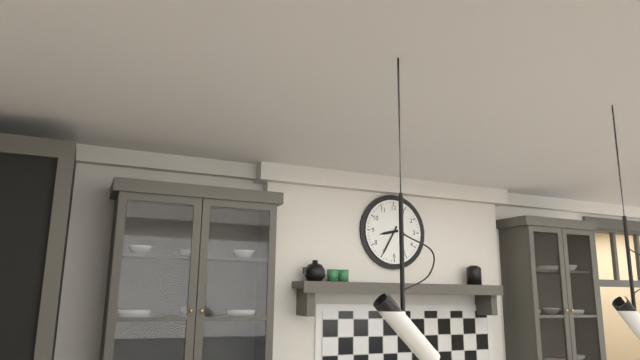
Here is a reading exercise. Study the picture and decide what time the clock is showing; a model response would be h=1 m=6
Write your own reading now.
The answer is h=8 m=35
